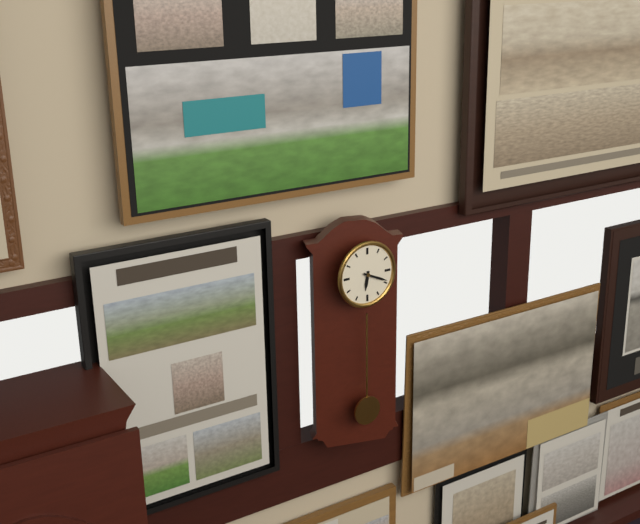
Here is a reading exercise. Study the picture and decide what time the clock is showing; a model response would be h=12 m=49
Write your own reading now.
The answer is h=6 m=19
